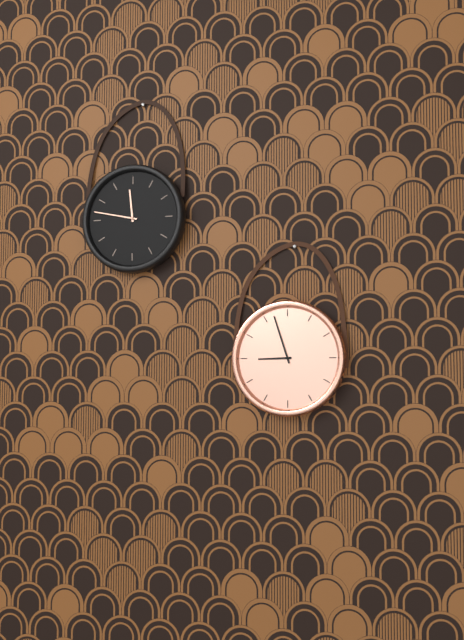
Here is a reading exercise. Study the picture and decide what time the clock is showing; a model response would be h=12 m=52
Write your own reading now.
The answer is h=8 m=57
